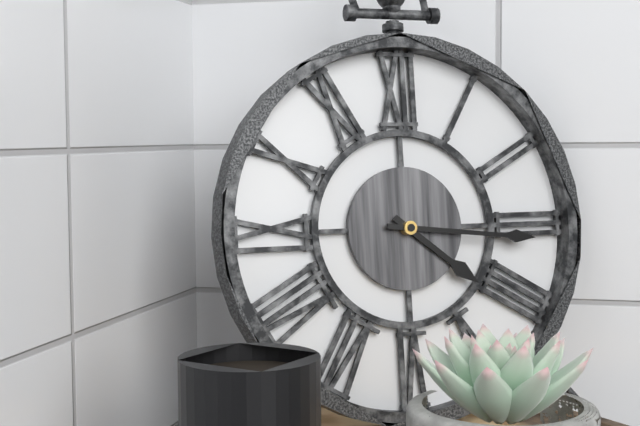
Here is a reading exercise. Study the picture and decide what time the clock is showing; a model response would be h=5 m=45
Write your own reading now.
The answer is h=4 m=16
